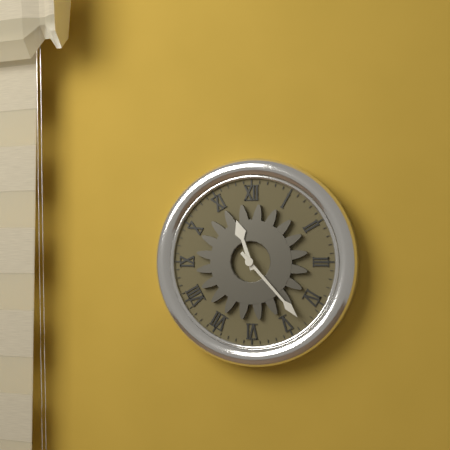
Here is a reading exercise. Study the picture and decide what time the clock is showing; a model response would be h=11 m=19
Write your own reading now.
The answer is h=11 m=23
